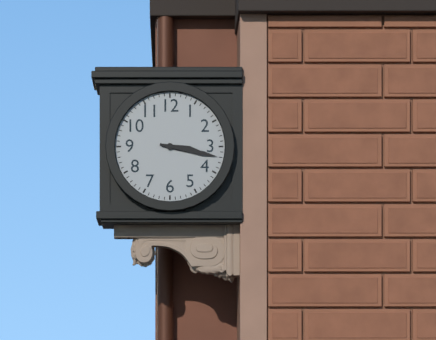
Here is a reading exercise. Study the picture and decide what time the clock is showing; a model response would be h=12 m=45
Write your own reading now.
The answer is h=3 m=17
